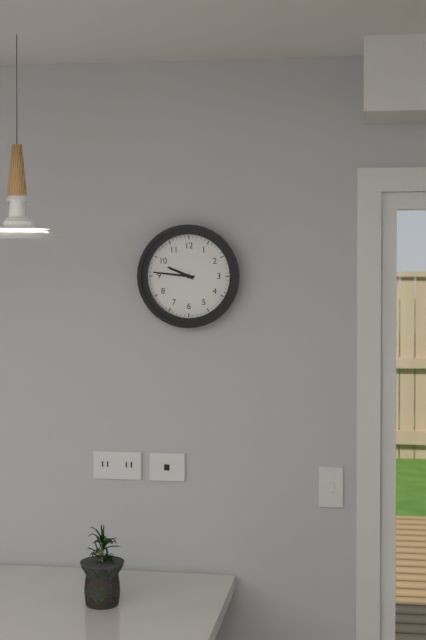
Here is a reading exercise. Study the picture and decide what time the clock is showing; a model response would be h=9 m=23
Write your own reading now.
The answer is h=9 m=46
